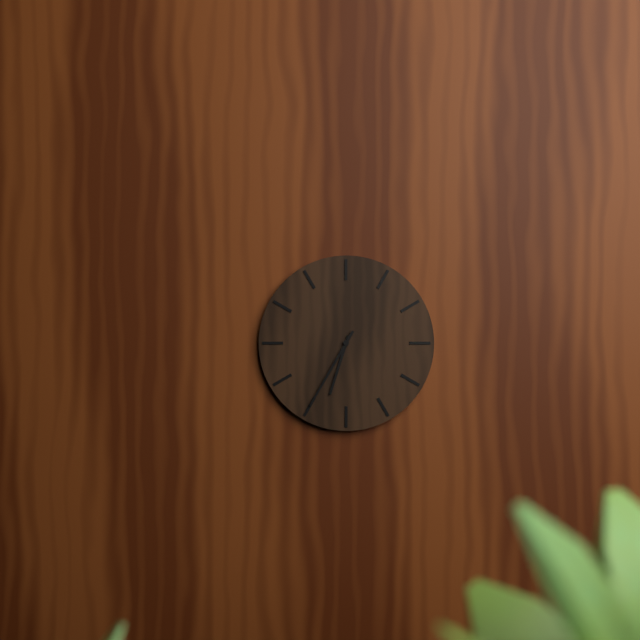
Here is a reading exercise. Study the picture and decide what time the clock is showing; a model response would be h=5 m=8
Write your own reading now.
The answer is h=6 m=35
